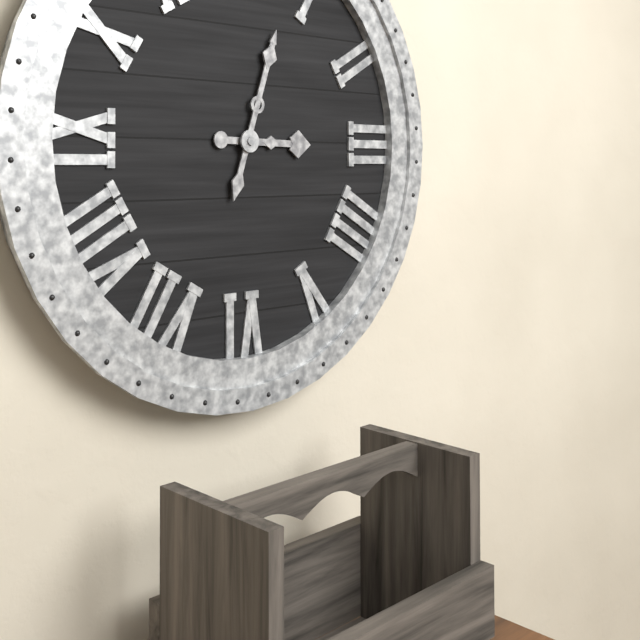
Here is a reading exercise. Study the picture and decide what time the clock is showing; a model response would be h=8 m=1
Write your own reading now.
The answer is h=3 m=3
